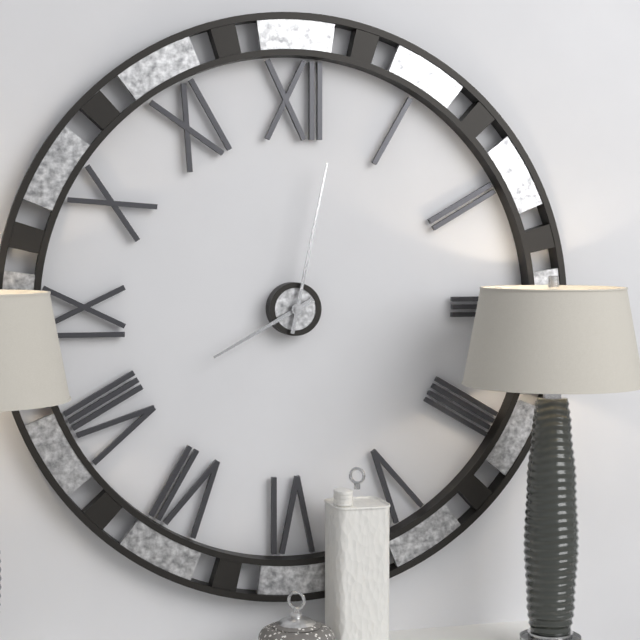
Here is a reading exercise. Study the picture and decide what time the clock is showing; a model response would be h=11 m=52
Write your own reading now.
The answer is h=8 m=2
